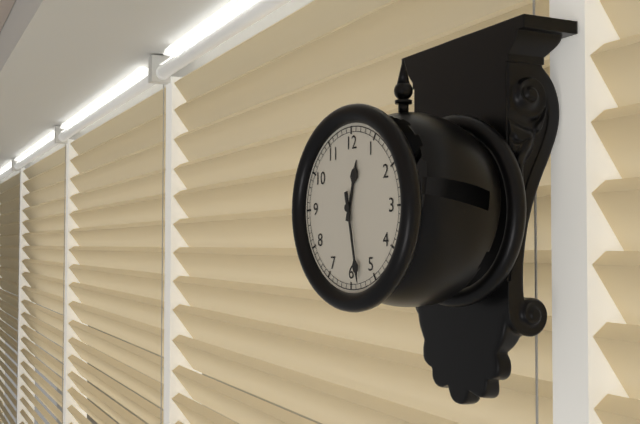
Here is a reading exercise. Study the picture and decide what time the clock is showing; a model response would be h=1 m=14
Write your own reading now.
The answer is h=12 m=28
